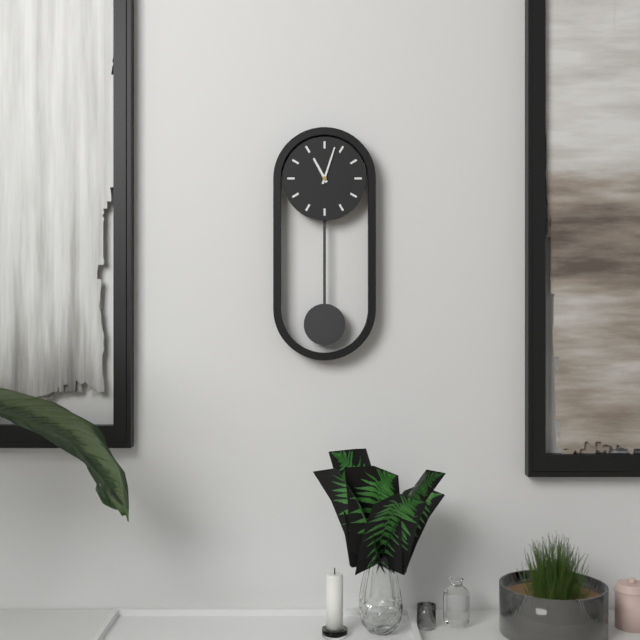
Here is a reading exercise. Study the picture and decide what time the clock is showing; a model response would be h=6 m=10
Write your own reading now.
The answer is h=11 m=3
